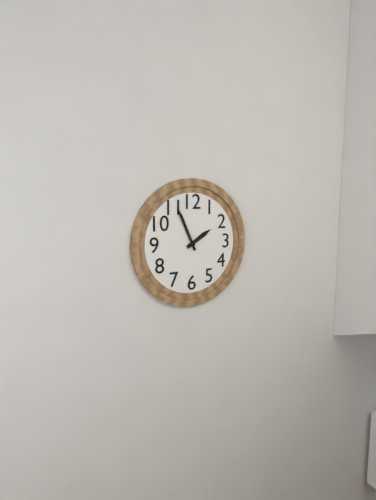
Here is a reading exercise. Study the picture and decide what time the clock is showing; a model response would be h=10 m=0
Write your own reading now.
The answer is h=1 m=56
